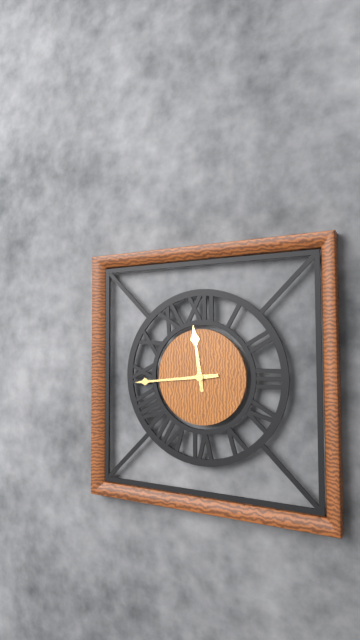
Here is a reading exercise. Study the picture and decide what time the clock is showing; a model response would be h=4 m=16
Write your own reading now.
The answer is h=11 m=44
